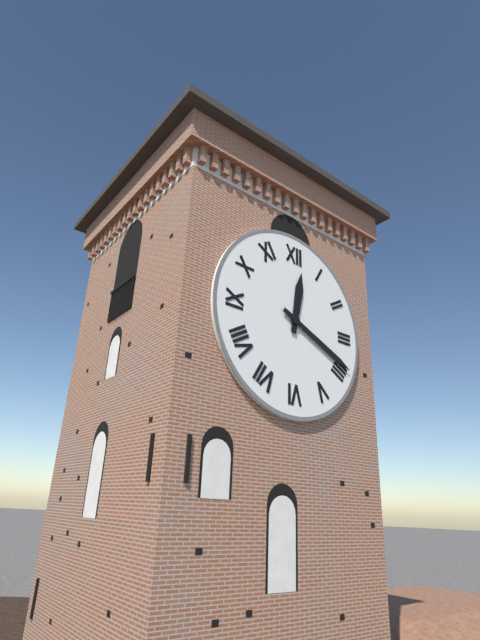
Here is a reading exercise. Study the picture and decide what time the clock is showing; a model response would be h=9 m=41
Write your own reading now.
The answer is h=12 m=19
